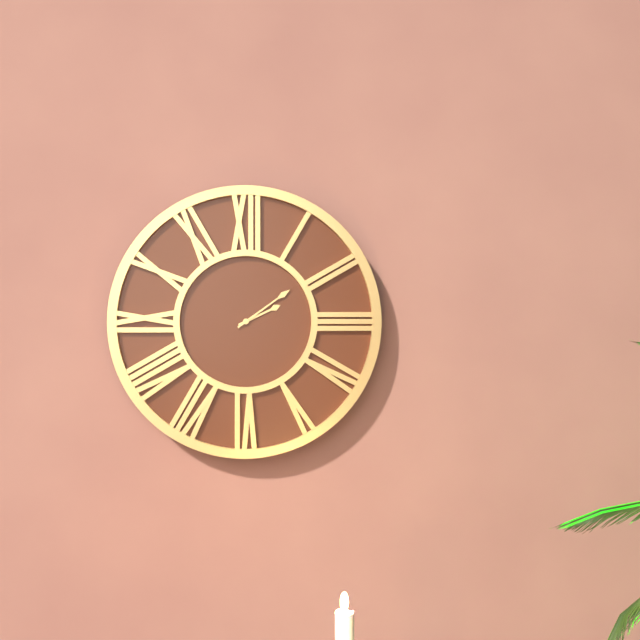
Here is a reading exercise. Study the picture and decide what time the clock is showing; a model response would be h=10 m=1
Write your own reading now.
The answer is h=2 m=9
